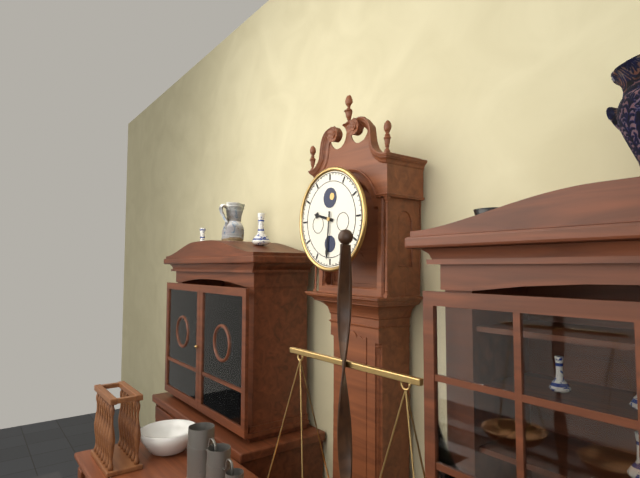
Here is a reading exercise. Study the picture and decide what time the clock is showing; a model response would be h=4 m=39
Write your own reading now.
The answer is h=9 m=31
